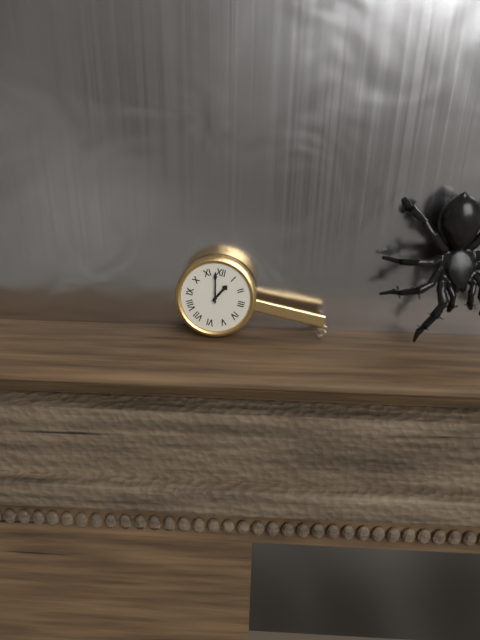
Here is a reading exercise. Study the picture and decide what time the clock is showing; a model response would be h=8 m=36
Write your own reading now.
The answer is h=12 m=58
